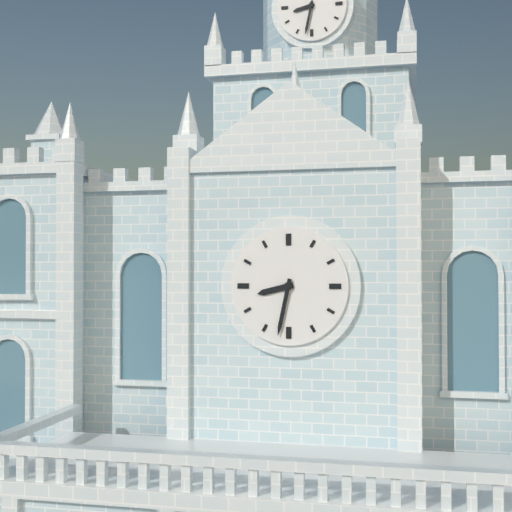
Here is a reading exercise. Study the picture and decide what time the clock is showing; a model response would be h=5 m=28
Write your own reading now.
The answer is h=8 m=32
